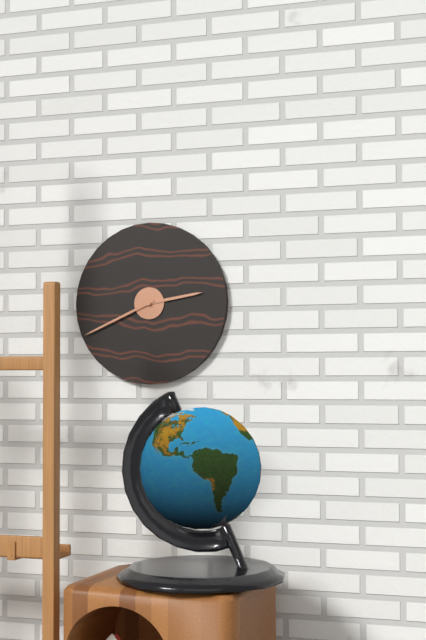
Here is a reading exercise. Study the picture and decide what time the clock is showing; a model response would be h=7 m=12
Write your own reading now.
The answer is h=2 m=41
